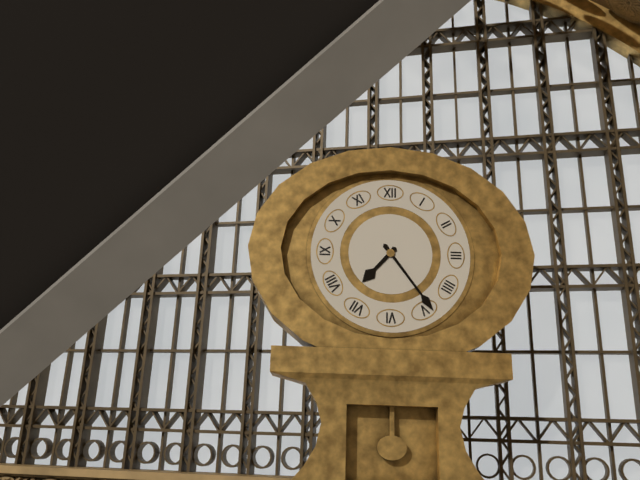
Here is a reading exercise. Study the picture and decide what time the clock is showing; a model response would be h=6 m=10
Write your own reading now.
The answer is h=7 m=24
